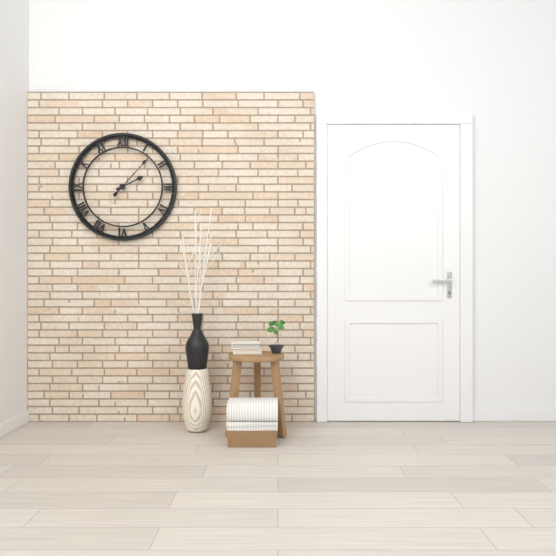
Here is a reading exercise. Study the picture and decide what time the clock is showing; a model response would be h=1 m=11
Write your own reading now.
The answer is h=2 m=7
